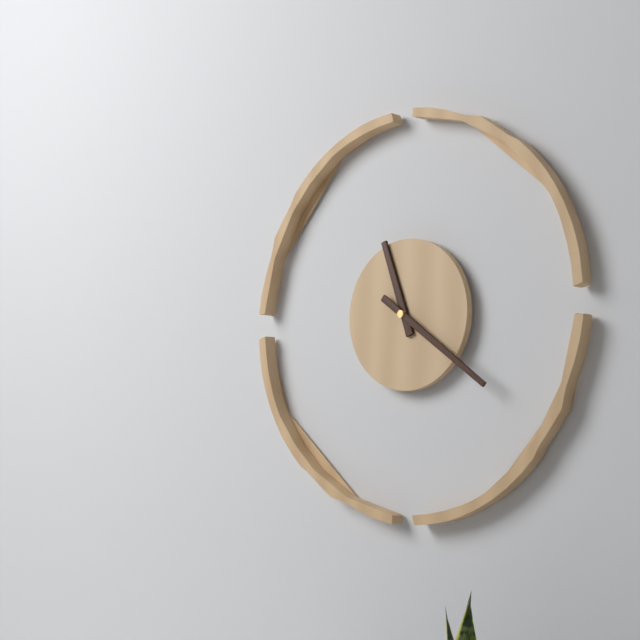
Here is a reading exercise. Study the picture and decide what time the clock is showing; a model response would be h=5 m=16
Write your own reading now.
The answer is h=11 m=21
